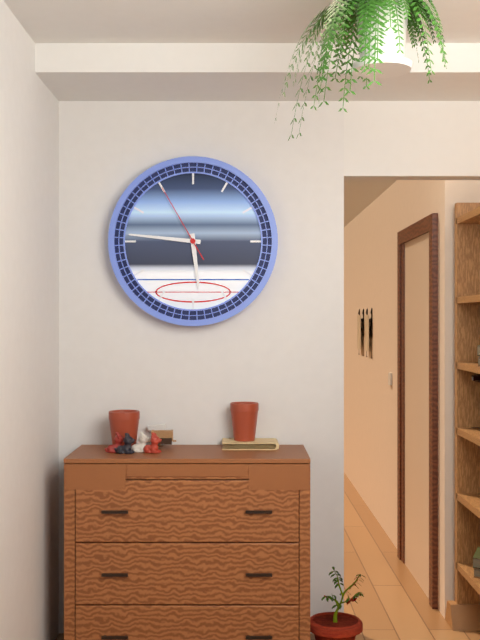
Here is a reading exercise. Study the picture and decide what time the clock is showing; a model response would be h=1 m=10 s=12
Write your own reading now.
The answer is h=5 m=46 s=55
